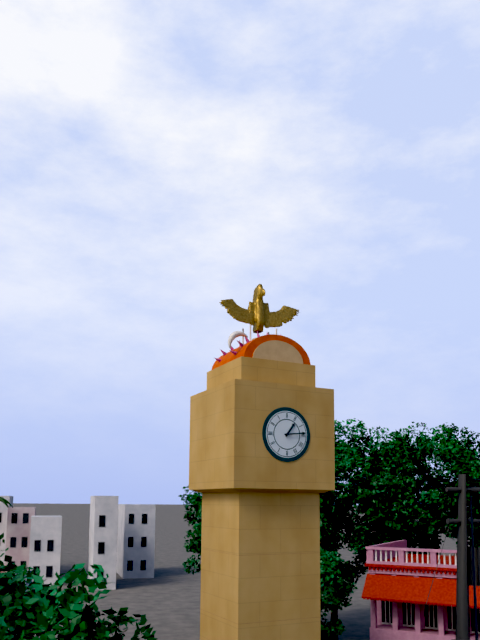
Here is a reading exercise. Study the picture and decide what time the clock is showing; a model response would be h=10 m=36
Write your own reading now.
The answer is h=1 m=14
